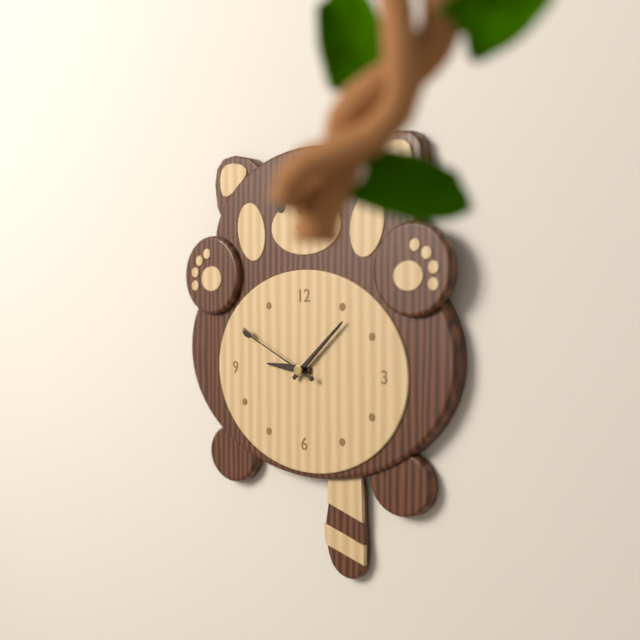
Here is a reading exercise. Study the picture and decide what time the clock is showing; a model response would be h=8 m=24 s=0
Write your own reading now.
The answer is h=9 m=8 s=49
